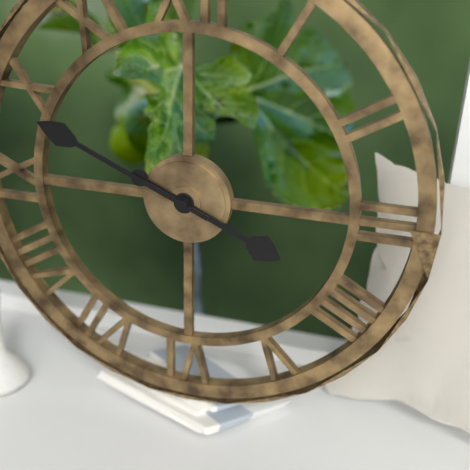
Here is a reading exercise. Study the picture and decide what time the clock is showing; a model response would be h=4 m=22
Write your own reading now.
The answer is h=3 m=49
